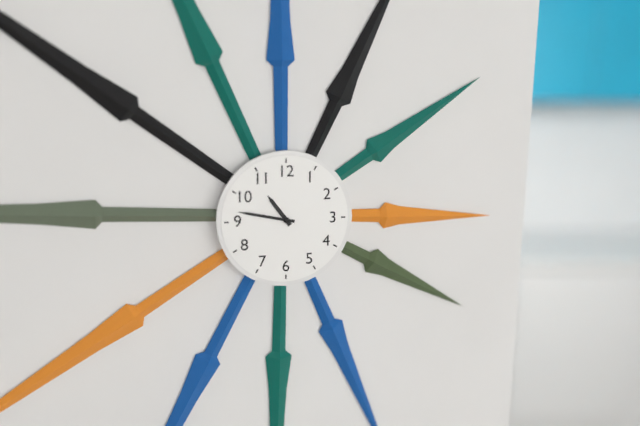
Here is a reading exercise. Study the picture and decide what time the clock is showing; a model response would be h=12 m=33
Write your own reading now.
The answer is h=10 m=47
